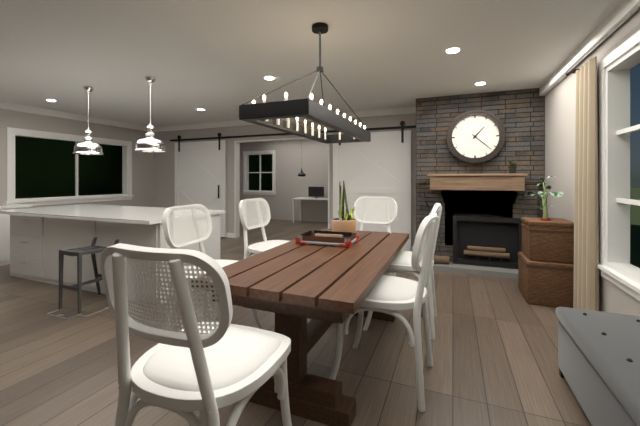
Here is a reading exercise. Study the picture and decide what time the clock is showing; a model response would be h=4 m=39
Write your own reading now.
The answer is h=1 m=22
